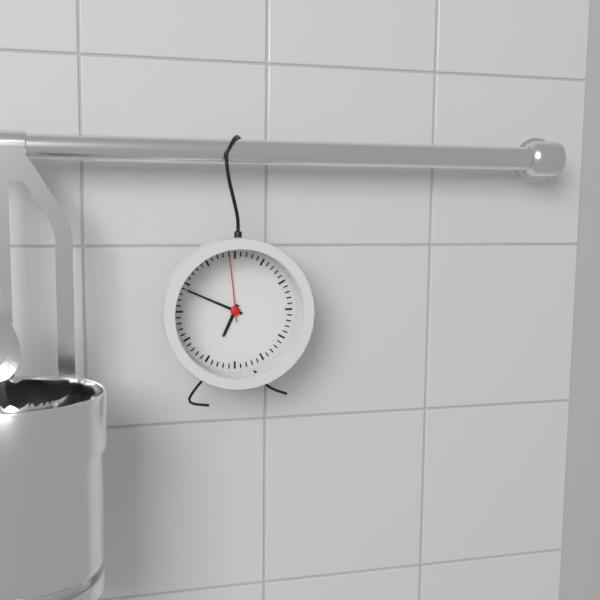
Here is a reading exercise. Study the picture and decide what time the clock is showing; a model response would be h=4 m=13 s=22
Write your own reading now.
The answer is h=6 m=49 s=59
